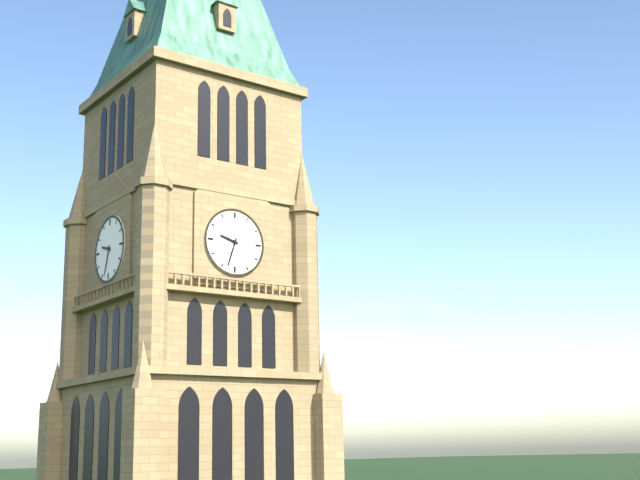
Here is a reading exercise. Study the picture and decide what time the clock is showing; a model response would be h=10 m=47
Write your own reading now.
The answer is h=9 m=33
